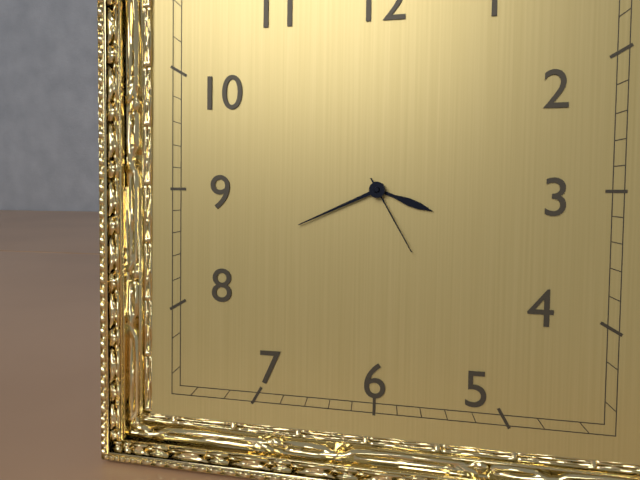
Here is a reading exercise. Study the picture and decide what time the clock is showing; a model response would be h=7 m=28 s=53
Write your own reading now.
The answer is h=3 m=41 s=25
